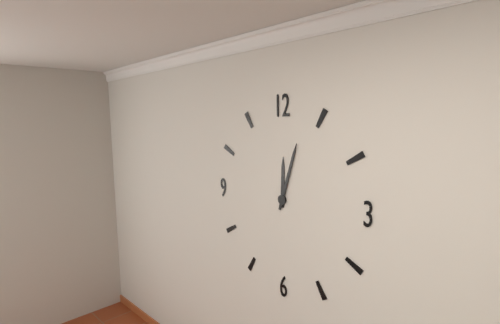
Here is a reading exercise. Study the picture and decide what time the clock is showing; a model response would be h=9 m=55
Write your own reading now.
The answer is h=12 m=3
